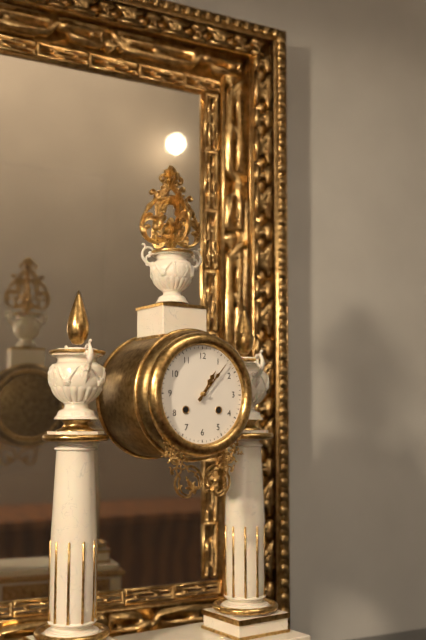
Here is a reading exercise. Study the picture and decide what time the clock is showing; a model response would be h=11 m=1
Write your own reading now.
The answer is h=1 m=7
